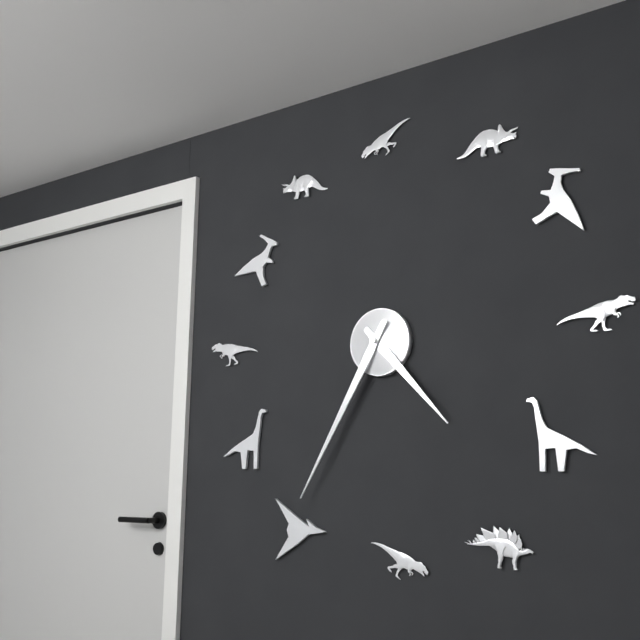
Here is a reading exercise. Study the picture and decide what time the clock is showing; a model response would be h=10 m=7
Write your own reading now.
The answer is h=4 m=35
